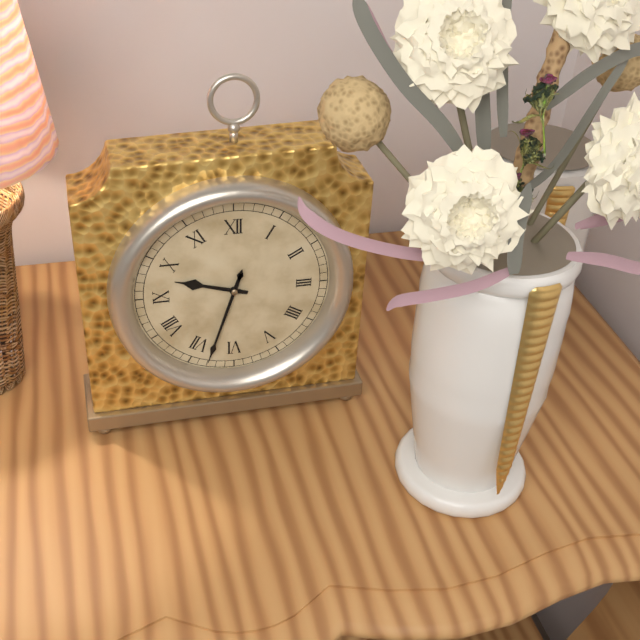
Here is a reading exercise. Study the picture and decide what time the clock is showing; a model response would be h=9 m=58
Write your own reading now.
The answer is h=9 m=33
